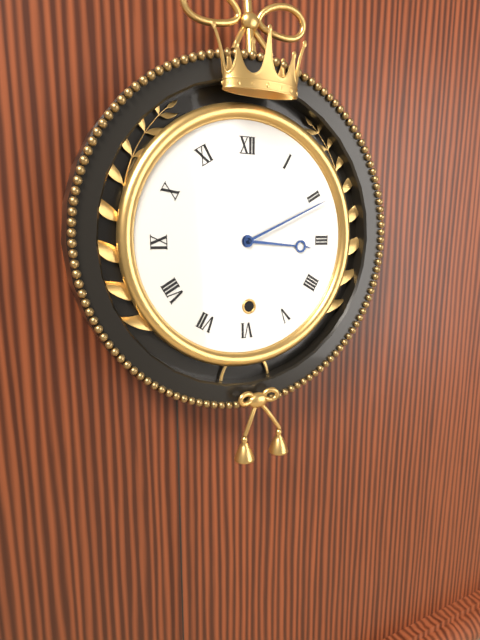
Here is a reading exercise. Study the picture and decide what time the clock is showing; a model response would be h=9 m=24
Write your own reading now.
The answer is h=3 m=11
